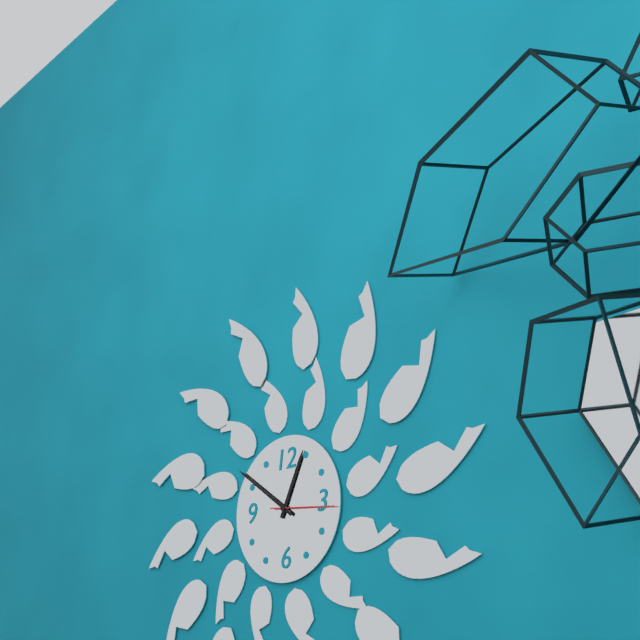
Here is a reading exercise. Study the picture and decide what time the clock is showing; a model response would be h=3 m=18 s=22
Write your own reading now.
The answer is h=12 m=51 s=16
